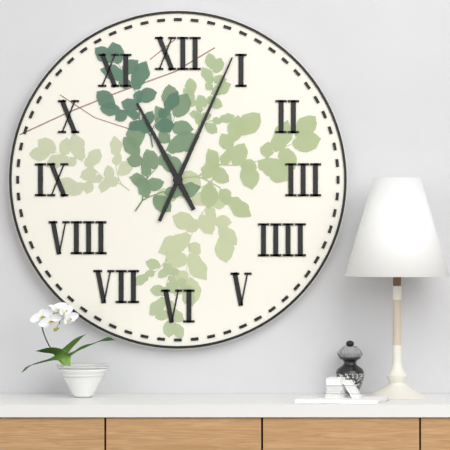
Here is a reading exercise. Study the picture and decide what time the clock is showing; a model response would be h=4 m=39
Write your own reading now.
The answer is h=11 m=4
